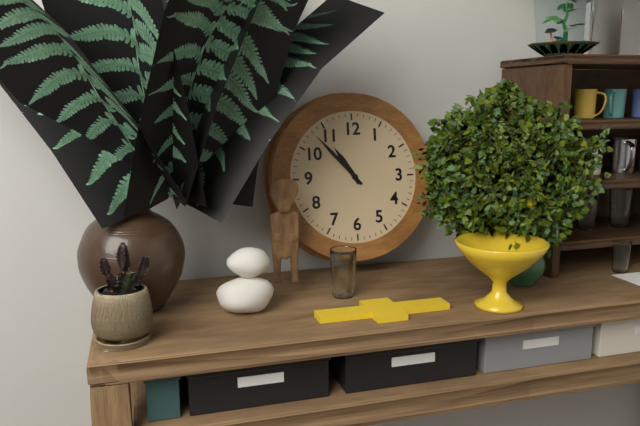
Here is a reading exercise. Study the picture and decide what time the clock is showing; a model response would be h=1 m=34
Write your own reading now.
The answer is h=10 m=53
